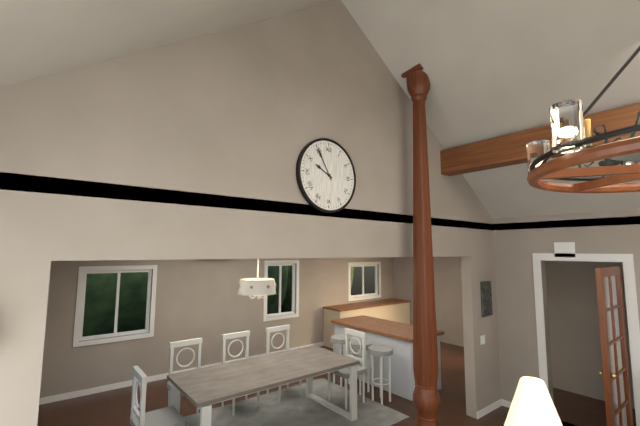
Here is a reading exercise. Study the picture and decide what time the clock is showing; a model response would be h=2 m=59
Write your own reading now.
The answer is h=9 m=55
